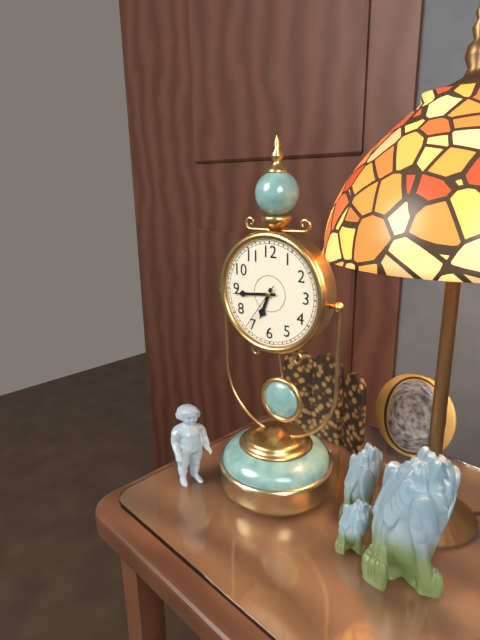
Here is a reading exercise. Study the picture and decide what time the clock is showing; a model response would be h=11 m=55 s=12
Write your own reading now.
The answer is h=6 m=44 s=36
